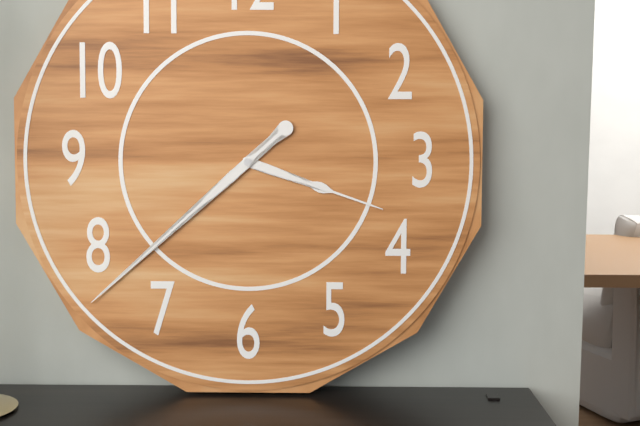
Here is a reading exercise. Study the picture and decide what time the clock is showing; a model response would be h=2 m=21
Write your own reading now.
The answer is h=3 m=38
